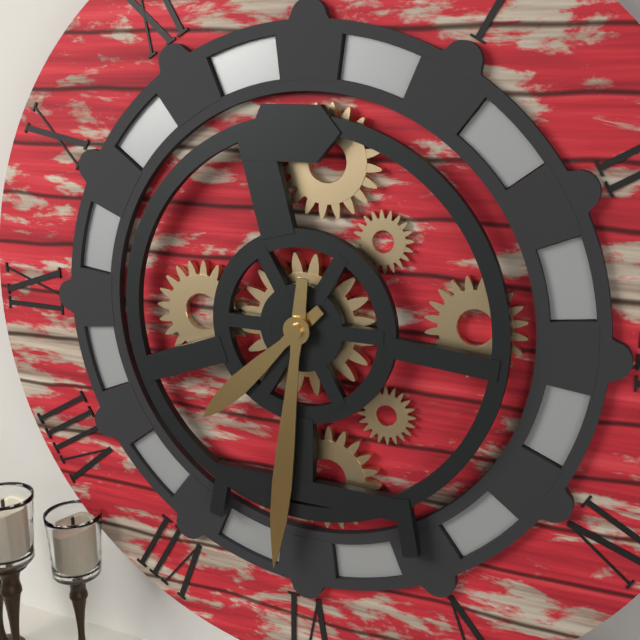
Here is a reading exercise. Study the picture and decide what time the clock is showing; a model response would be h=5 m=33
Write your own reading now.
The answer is h=7 m=31
